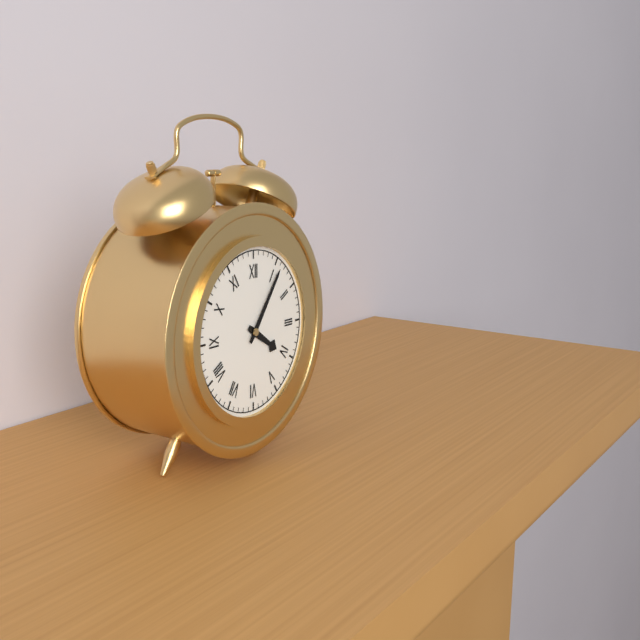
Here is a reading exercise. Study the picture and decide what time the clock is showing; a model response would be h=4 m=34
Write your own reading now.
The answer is h=4 m=6
